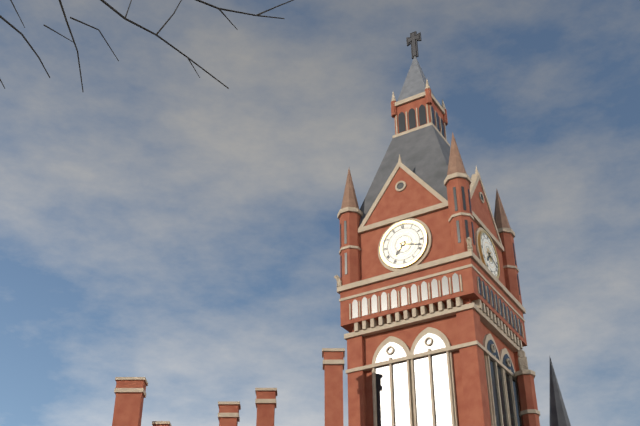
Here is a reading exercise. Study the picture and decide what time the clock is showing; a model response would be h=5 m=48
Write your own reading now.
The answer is h=7 m=18
